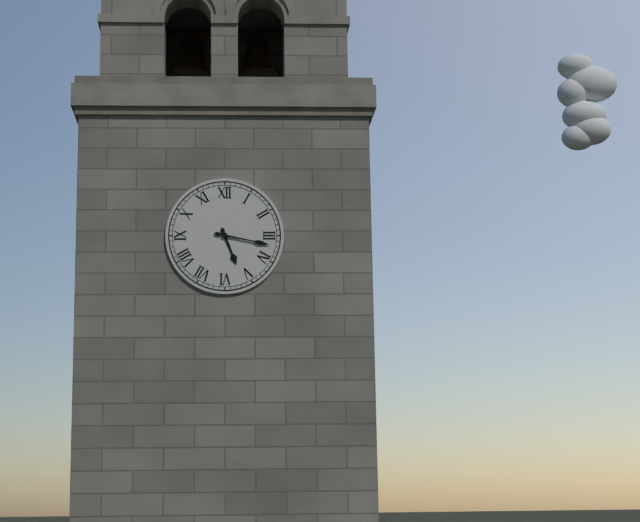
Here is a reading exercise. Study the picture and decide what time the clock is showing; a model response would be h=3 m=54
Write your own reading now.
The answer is h=5 m=17
